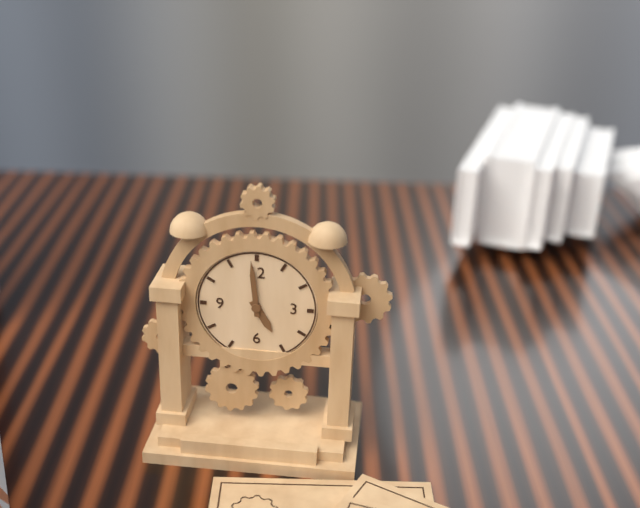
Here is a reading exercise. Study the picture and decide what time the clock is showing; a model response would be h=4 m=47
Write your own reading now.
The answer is h=4 m=59
